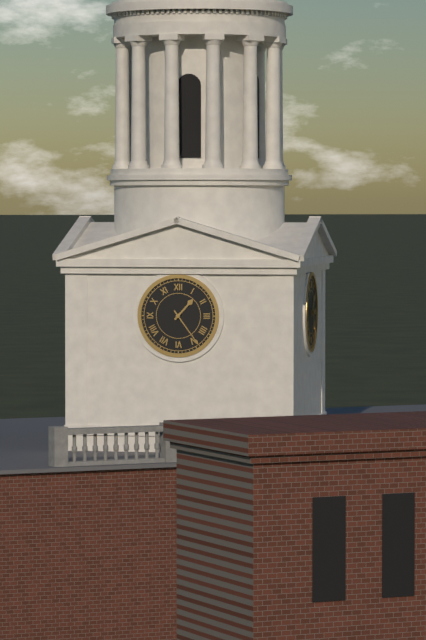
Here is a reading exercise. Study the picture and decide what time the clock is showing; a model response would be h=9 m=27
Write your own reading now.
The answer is h=1 m=24
